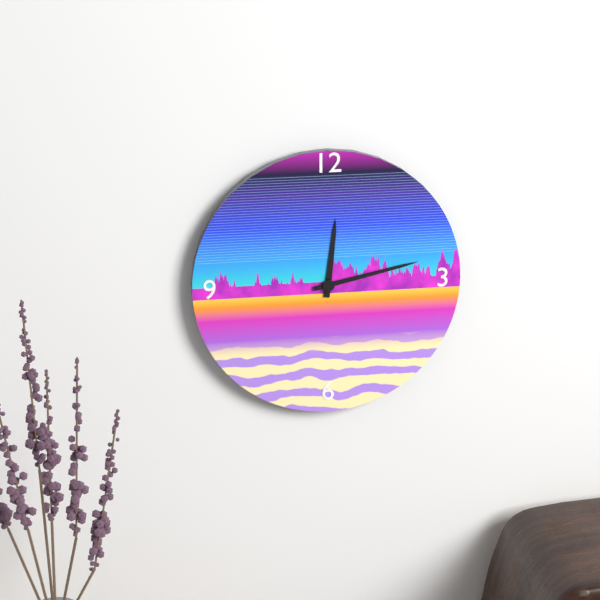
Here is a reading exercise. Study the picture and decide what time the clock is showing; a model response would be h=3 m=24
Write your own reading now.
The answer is h=12 m=13
